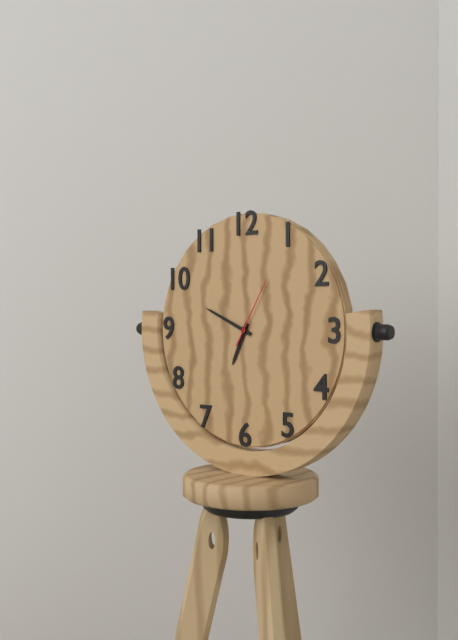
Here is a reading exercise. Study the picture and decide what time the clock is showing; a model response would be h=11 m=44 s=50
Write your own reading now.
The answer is h=6 m=49 s=5
